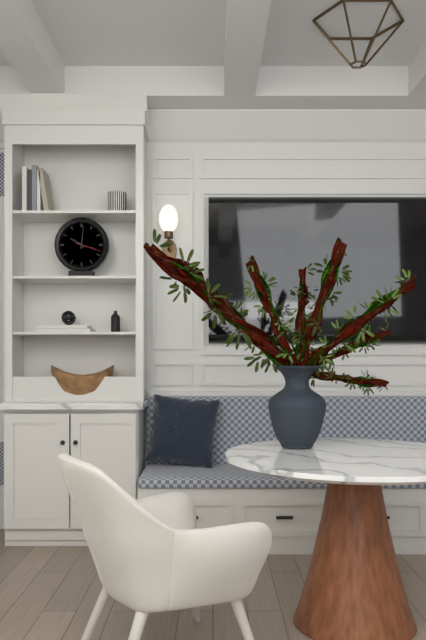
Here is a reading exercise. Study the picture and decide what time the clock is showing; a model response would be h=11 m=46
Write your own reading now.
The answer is h=10 m=1
